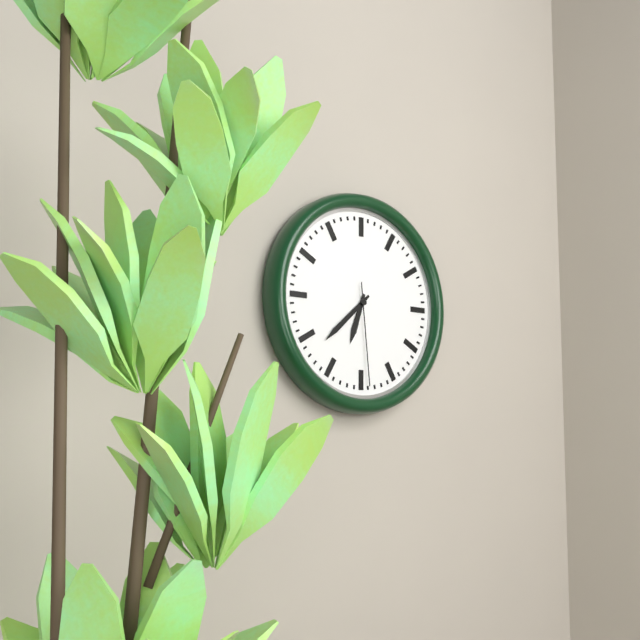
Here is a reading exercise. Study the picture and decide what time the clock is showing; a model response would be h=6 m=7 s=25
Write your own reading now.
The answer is h=6 m=38 s=29
